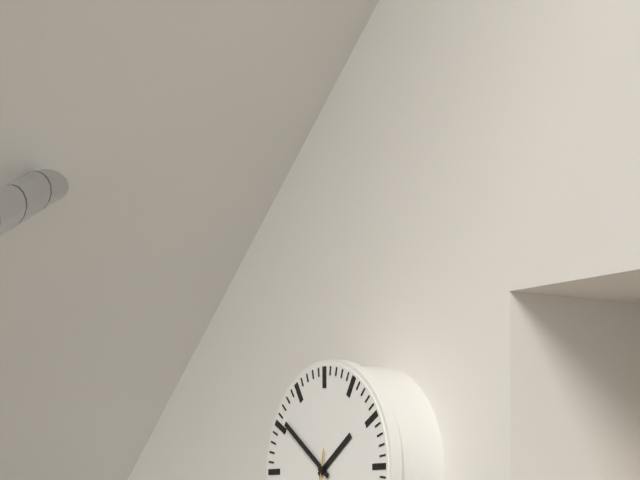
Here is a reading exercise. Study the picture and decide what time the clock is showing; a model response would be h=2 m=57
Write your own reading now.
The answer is h=1 m=51
